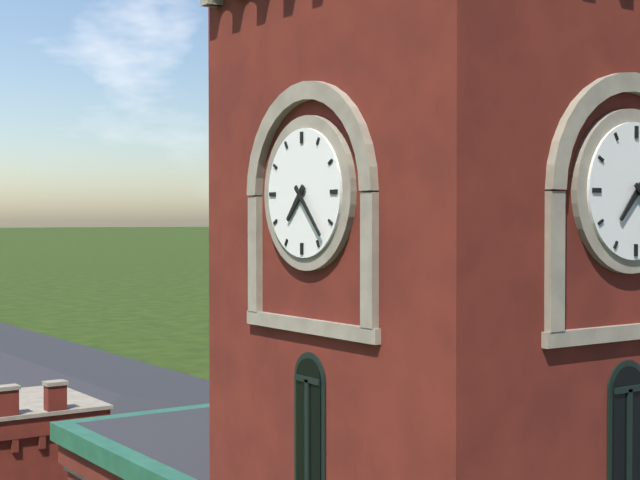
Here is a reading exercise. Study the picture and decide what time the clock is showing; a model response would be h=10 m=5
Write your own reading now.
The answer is h=7 m=23
